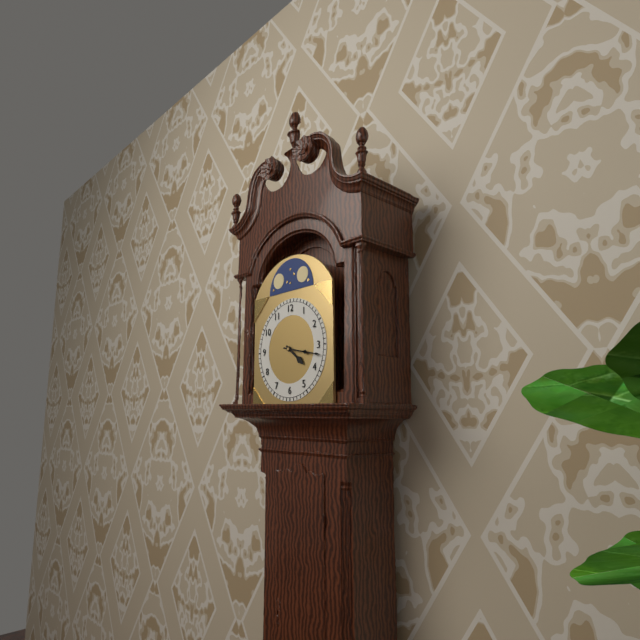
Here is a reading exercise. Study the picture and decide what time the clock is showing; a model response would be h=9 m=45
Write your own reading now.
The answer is h=4 m=17
